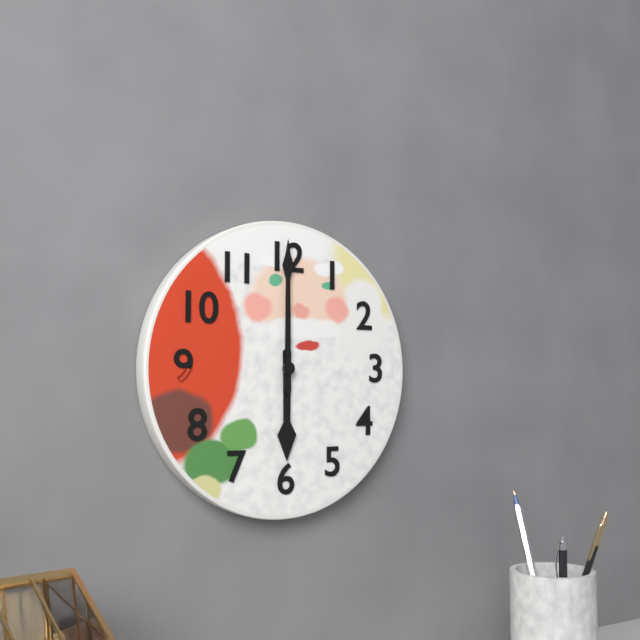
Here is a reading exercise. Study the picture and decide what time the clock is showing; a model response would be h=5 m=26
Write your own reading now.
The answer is h=6 m=0
